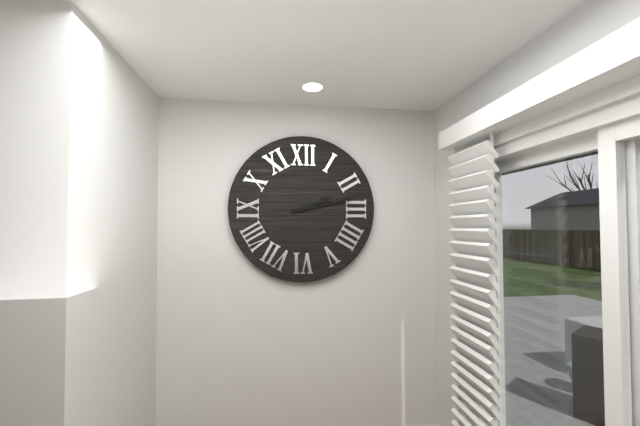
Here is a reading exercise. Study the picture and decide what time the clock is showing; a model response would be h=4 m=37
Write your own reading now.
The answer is h=2 m=13
